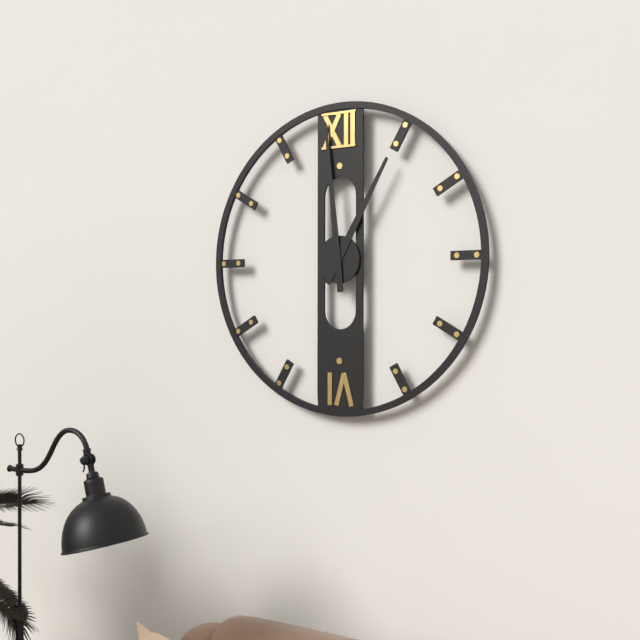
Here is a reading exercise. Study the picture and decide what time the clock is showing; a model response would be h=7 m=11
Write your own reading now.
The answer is h=12 m=59
